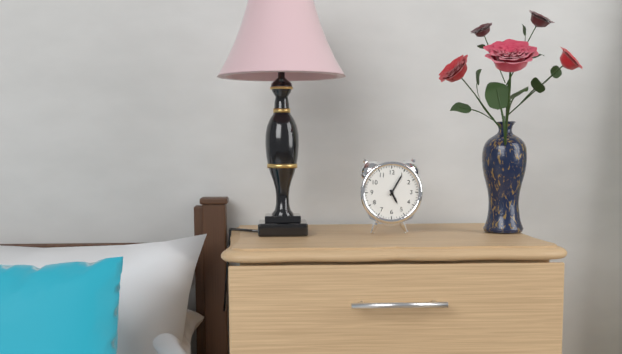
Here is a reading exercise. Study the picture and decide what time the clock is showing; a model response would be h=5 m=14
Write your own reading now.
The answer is h=5 m=5
